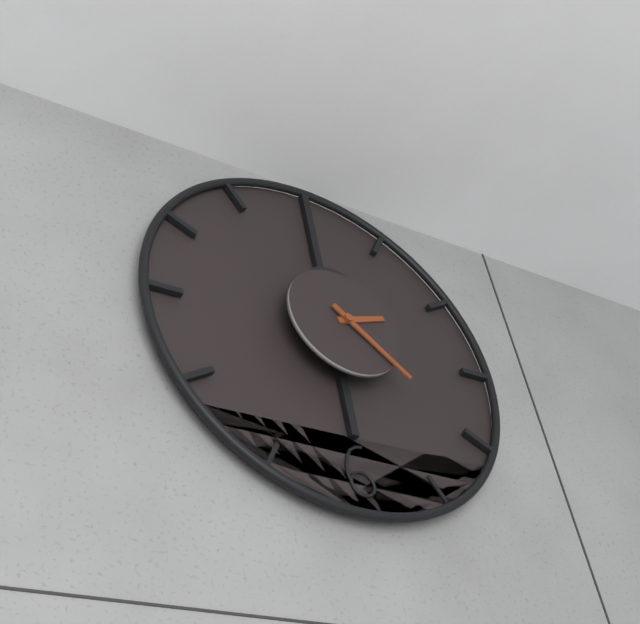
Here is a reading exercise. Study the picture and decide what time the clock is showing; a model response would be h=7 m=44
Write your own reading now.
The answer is h=2 m=22
